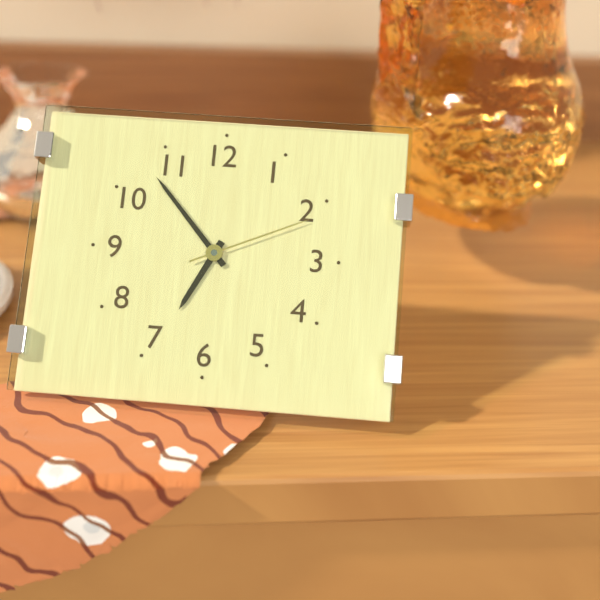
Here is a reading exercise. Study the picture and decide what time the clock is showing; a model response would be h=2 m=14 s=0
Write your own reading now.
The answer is h=6 m=53 s=11
